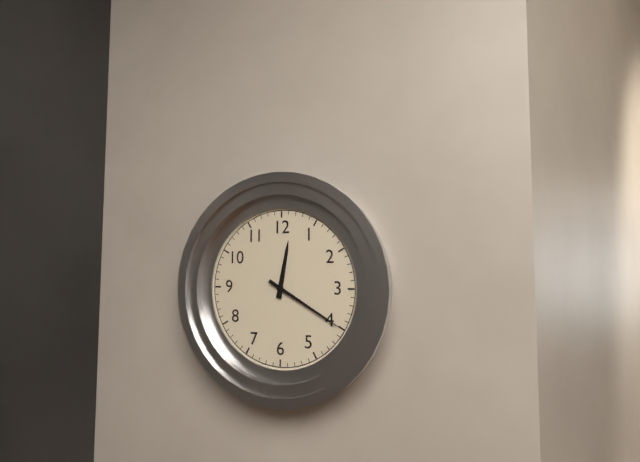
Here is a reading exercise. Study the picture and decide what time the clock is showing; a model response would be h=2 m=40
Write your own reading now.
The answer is h=12 m=20
